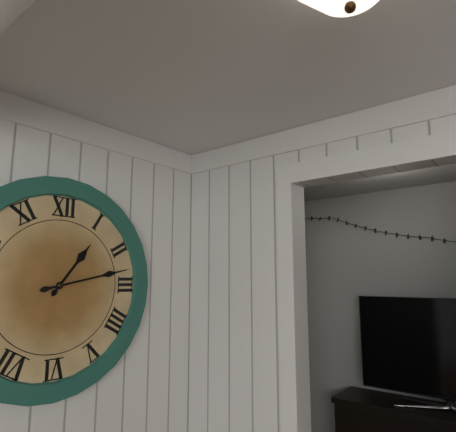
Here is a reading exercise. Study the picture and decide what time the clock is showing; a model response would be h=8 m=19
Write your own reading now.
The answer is h=1 m=13
